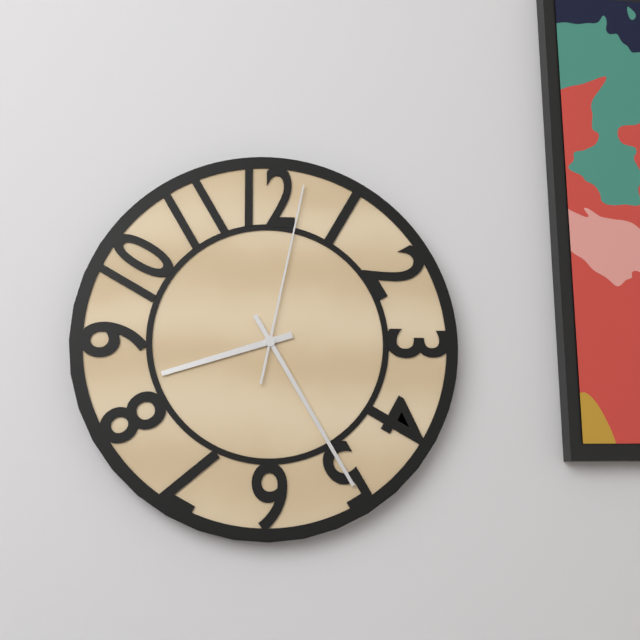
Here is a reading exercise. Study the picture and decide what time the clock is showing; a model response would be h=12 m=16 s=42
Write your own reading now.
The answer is h=8 m=25 s=2
